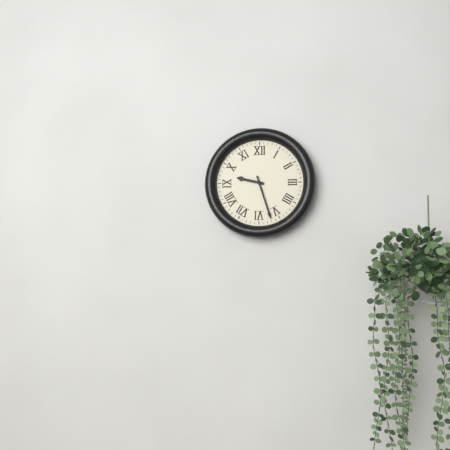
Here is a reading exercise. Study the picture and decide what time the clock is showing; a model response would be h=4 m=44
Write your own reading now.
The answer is h=9 m=27
